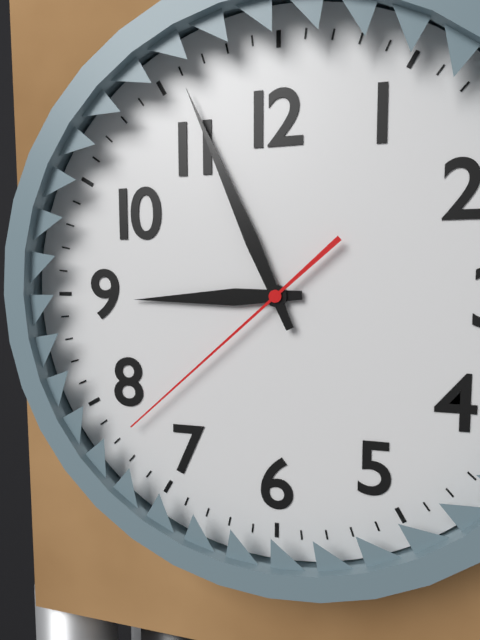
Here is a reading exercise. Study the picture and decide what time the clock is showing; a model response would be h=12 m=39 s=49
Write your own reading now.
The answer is h=8 m=56 s=38
